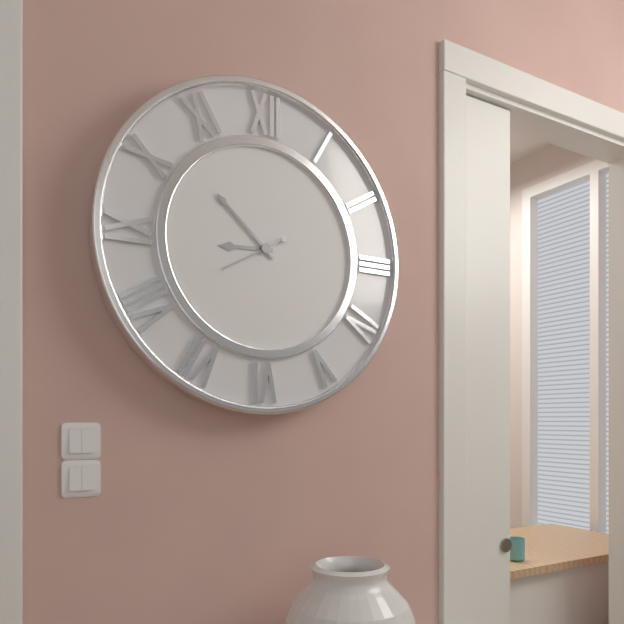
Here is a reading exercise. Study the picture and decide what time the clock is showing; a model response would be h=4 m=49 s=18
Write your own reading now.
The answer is h=8 m=52 s=40
